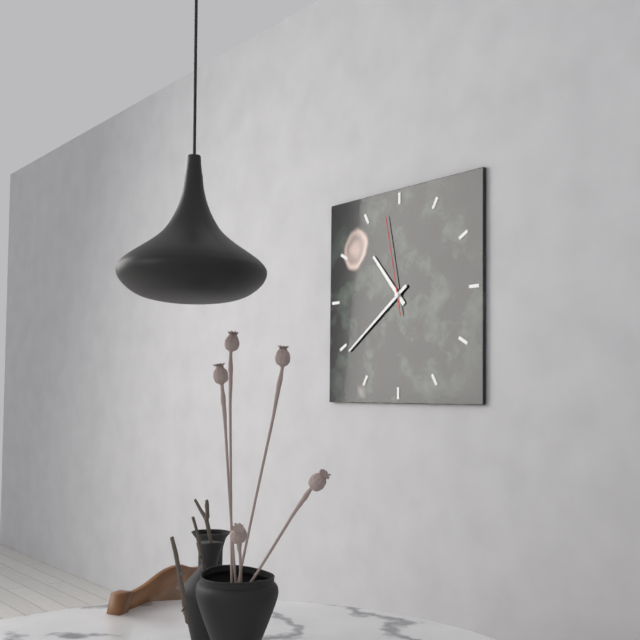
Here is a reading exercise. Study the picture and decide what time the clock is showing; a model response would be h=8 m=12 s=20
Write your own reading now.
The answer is h=10 m=39 s=58
